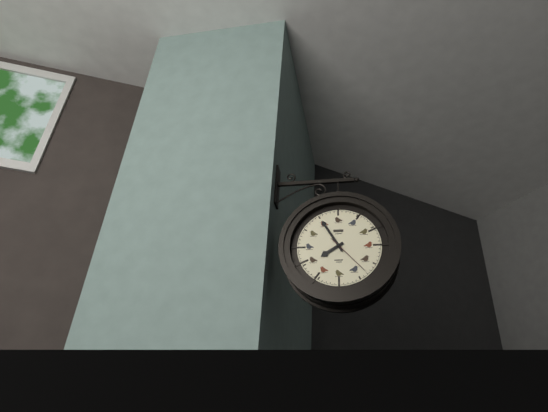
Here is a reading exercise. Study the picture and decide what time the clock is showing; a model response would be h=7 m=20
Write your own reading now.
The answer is h=7 m=55
